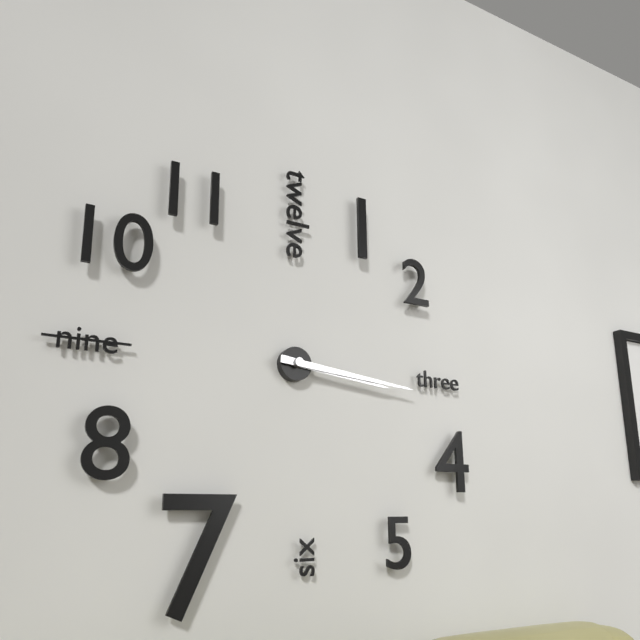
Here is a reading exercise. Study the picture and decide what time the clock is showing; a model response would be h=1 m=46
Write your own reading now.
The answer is h=3 m=16
